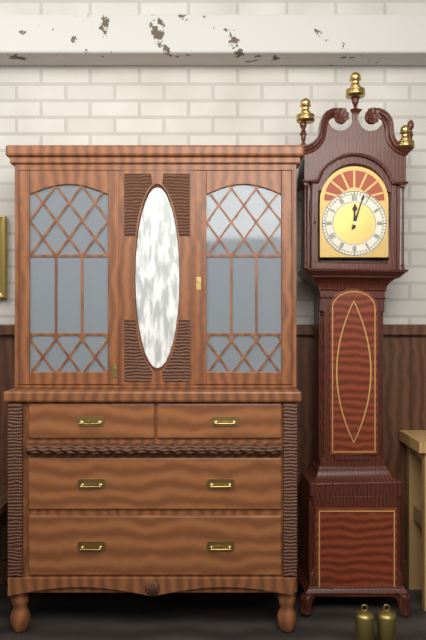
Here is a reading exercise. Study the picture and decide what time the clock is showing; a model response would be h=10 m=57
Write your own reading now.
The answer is h=12 m=3
